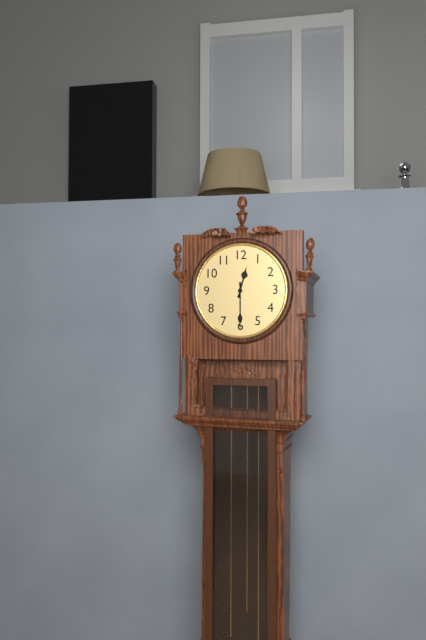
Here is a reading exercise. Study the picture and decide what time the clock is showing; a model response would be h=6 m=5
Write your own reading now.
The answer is h=12 m=30
